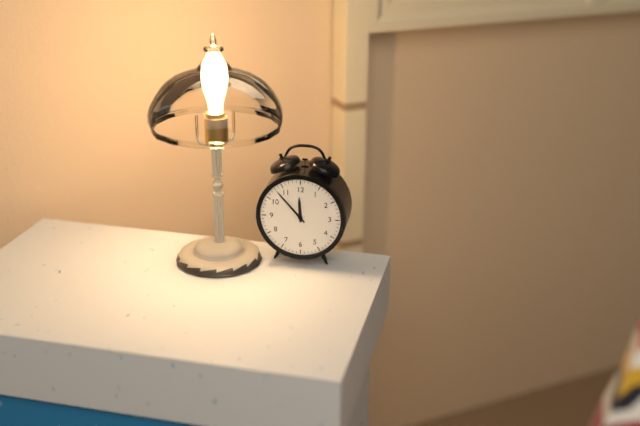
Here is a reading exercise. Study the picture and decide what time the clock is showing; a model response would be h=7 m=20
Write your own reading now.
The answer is h=11 m=53
